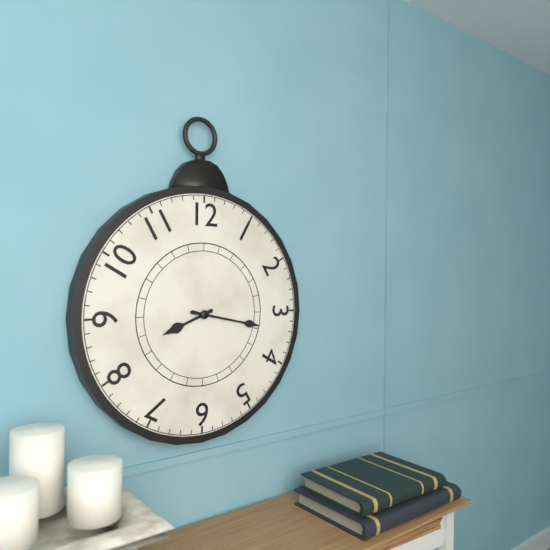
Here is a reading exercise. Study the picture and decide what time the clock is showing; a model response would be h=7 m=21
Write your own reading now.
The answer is h=8 m=17
